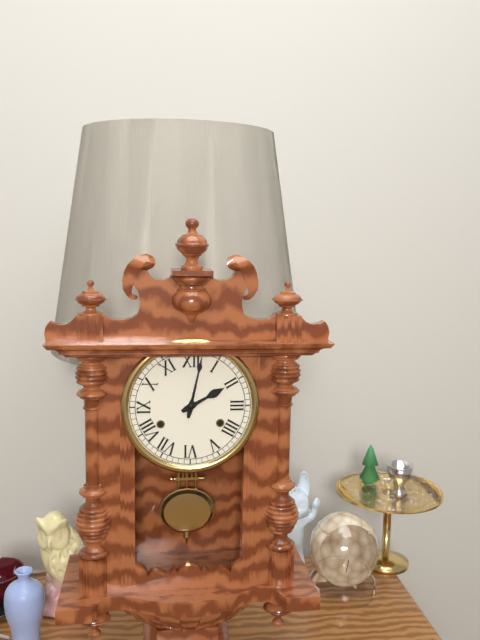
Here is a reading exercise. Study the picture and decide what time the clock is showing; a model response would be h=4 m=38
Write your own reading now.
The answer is h=2 m=2
